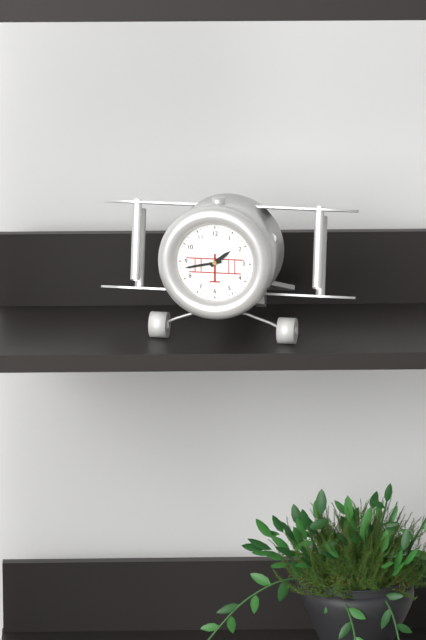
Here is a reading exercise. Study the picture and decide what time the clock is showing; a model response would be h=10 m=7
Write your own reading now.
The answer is h=1 m=43
